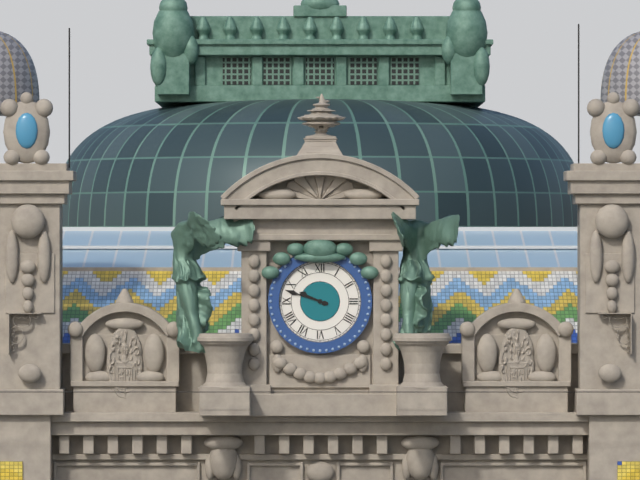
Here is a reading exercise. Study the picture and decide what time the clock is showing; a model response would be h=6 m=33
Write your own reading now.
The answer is h=9 m=48
